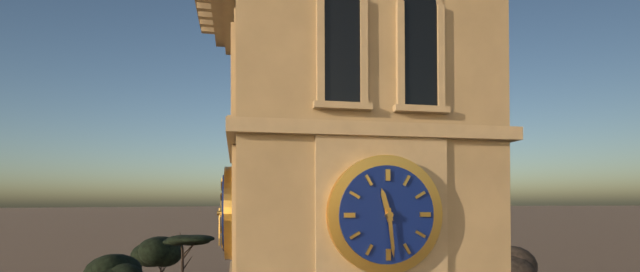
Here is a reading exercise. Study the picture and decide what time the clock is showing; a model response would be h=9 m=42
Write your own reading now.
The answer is h=11 m=29
